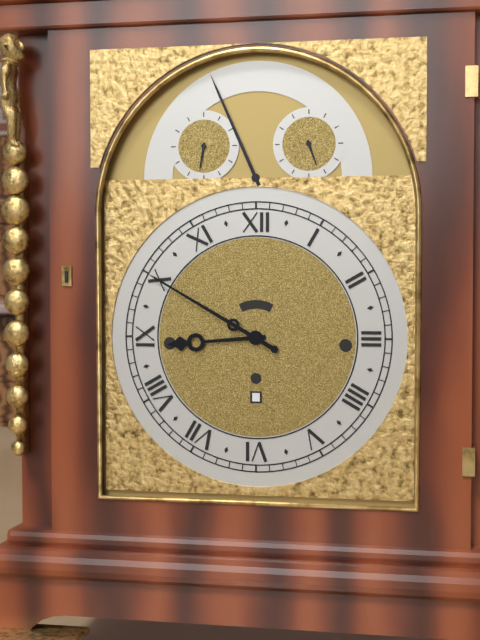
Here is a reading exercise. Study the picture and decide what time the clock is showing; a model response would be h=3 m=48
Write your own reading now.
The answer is h=8 m=50
